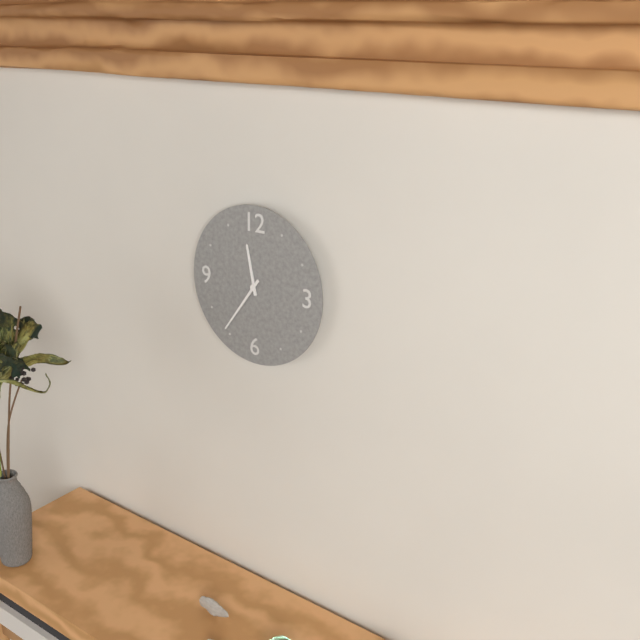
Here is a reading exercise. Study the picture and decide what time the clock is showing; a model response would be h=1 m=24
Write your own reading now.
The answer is h=11 m=36
